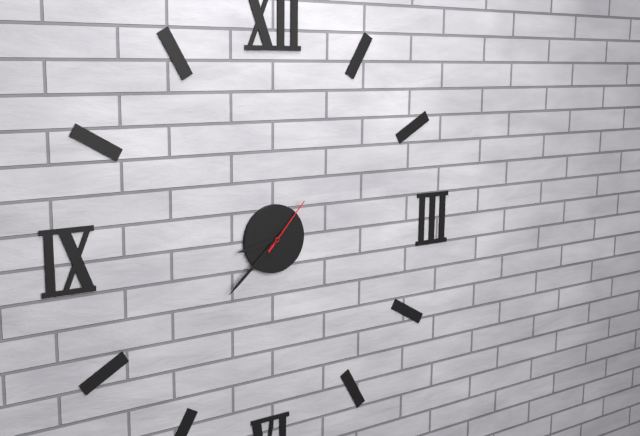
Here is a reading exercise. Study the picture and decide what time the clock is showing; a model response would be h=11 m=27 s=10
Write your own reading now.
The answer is h=8 m=38 s=7
